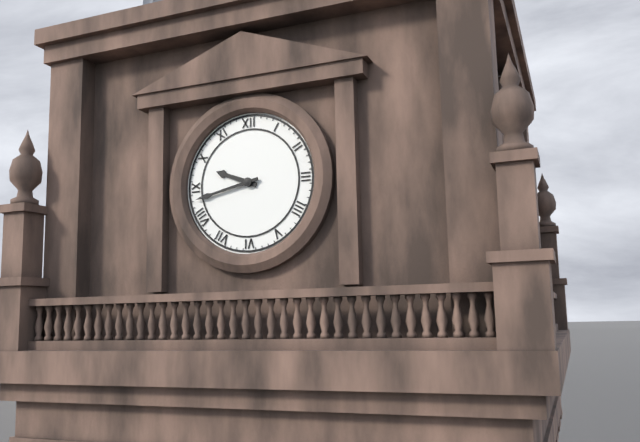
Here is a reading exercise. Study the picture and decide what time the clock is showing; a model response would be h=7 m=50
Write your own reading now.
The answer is h=9 m=43
